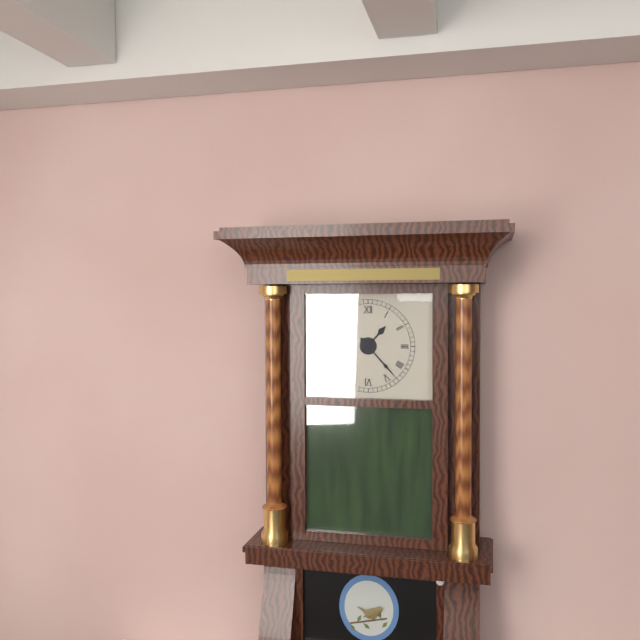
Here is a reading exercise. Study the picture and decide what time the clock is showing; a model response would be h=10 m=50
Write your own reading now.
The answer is h=1 m=23
